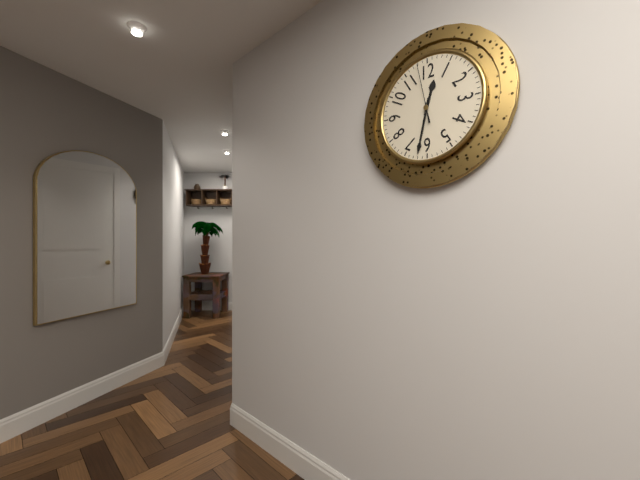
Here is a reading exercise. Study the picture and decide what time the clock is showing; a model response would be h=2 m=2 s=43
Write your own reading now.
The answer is h=12 m=32 s=58
